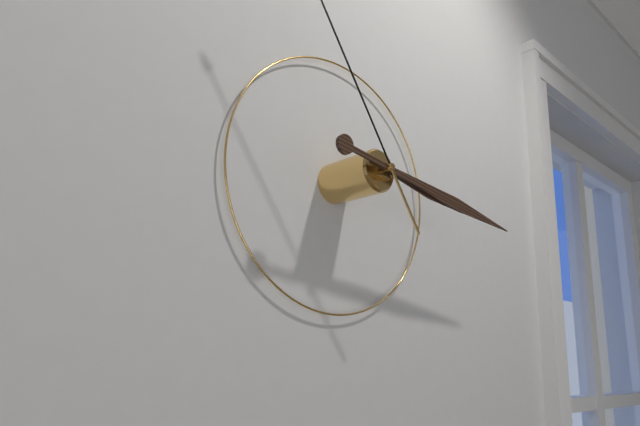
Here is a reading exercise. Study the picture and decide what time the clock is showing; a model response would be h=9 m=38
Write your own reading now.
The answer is h=3 m=16
